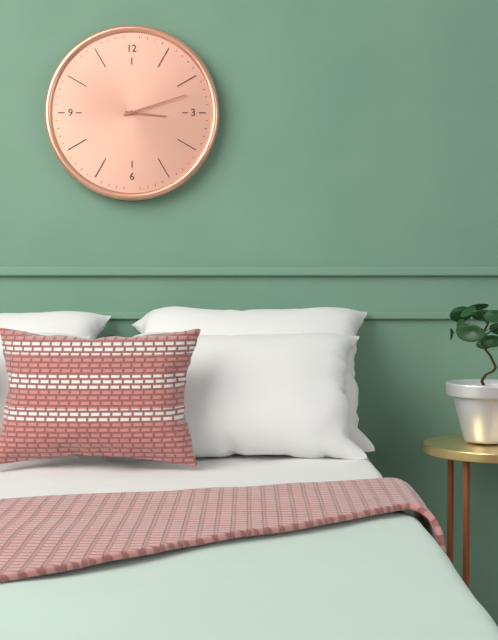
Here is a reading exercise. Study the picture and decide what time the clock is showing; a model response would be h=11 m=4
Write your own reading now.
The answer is h=3 m=12
